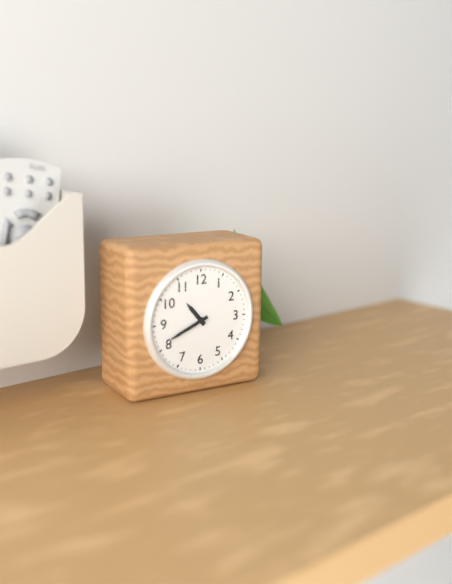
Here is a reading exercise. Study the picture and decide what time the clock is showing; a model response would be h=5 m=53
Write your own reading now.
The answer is h=10 m=41
